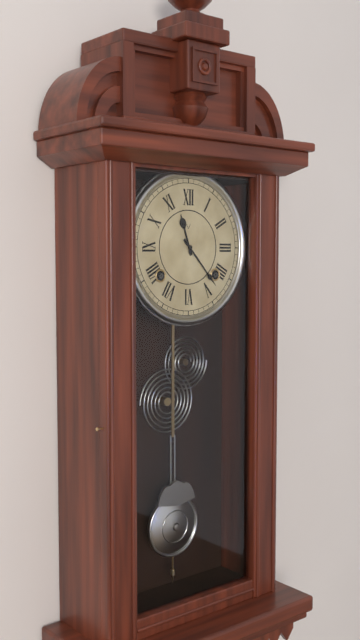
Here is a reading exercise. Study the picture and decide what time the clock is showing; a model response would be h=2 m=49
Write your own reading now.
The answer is h=11 m=23
